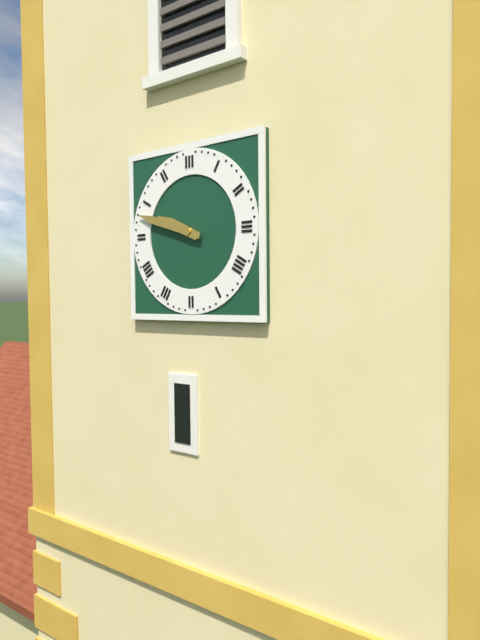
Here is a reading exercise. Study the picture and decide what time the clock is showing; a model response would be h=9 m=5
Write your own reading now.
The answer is h=9 m=48
